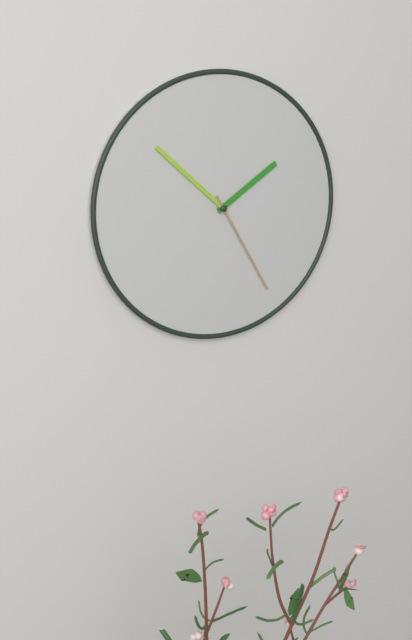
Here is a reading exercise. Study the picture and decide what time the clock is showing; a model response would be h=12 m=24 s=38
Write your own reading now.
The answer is h=1 m=52 s=25
